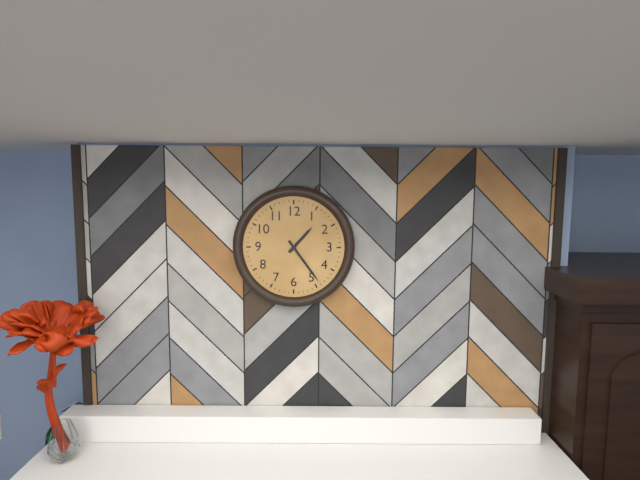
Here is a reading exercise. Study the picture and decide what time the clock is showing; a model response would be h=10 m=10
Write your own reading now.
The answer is h=1 m=24
